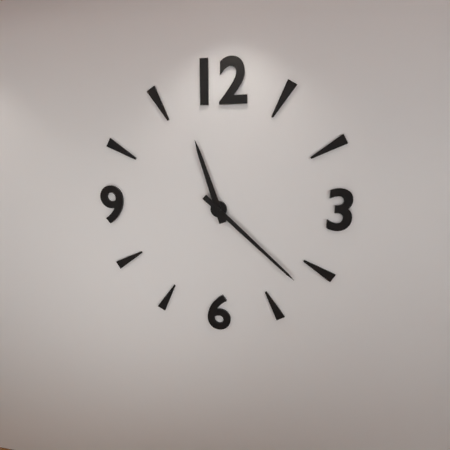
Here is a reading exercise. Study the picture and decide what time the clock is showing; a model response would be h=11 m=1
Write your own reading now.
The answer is h=11 m=22
